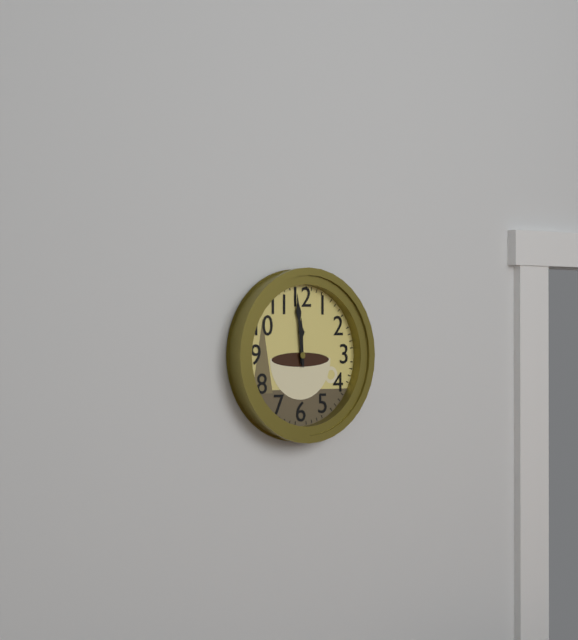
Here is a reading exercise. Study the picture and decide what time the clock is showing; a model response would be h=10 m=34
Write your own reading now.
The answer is h=11 m=59
